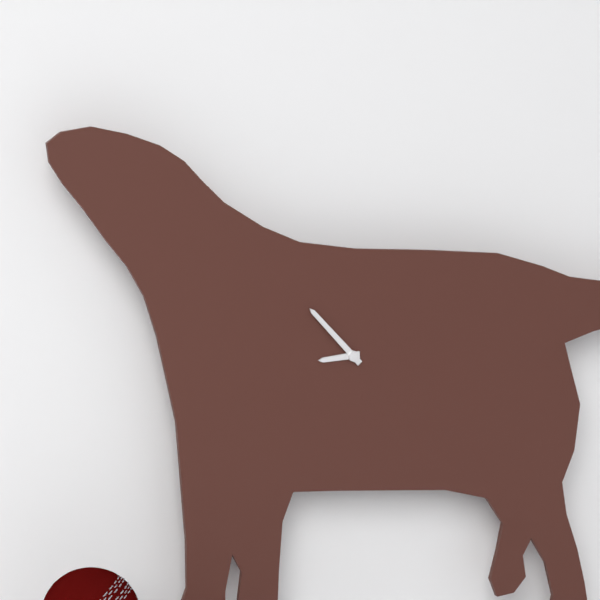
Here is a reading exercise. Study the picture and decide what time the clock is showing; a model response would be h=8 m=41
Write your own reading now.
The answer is h=8 m=53
